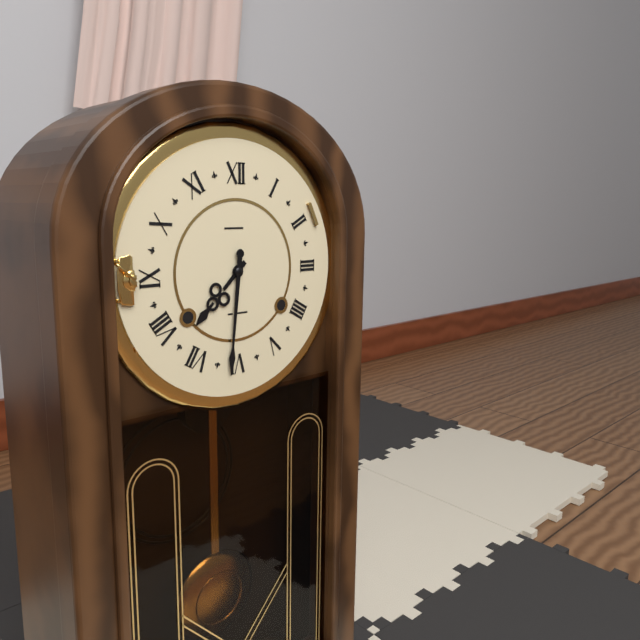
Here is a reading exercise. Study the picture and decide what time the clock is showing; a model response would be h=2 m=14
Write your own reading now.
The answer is h=7 m=31
